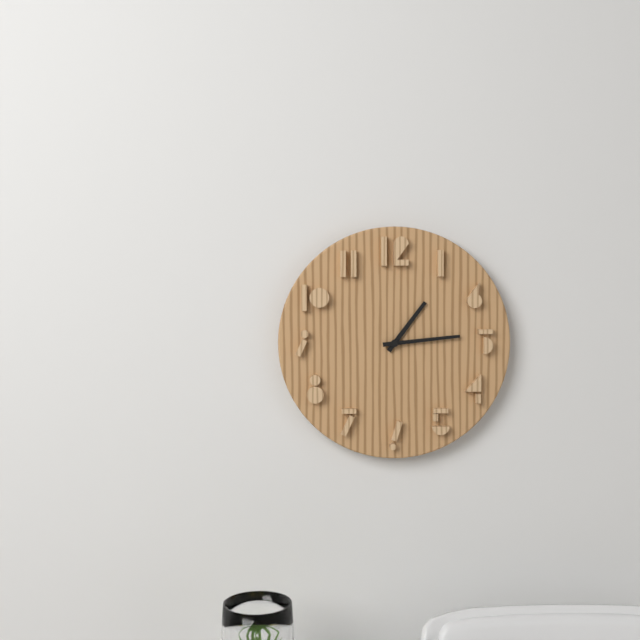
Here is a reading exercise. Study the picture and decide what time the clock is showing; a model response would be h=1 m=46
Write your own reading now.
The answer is h=1 m=14
